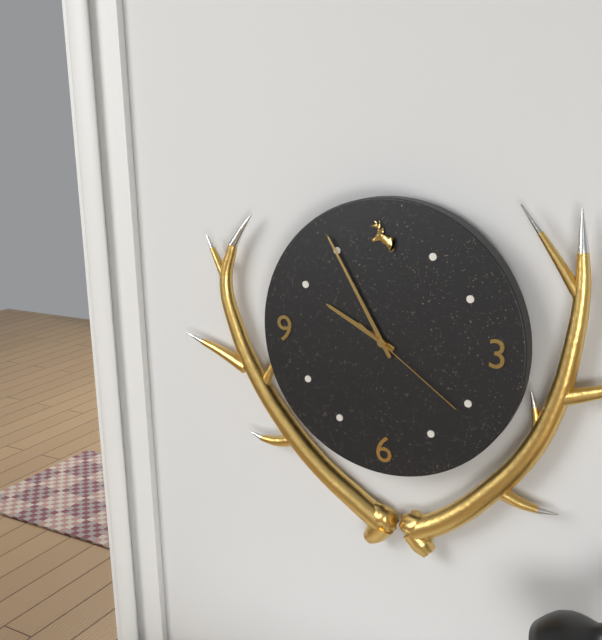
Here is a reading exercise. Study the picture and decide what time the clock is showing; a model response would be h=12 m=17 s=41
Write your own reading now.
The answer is h=9 m=55 s=21
